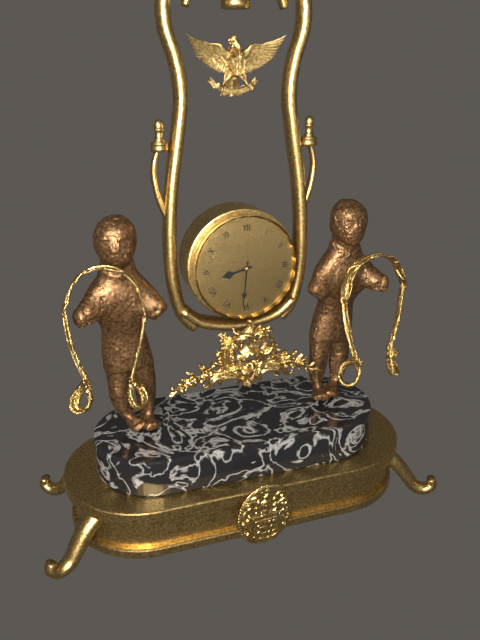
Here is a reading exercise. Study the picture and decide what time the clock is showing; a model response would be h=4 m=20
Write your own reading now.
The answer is h=8 m=31
